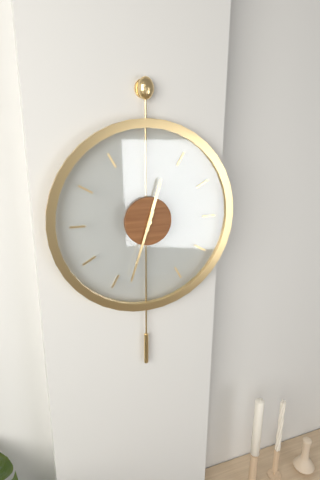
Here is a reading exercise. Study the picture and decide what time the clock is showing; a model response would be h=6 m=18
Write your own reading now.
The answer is h=12 m=33
